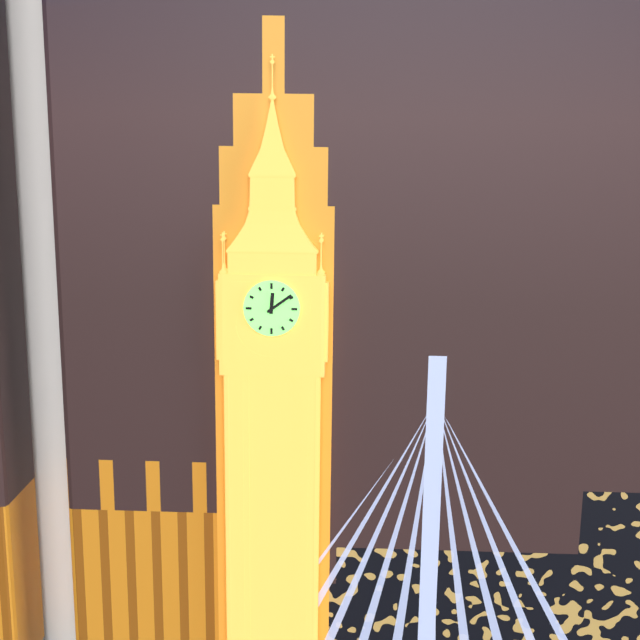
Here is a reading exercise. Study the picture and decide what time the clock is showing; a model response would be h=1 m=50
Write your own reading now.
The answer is h=12 m=9
